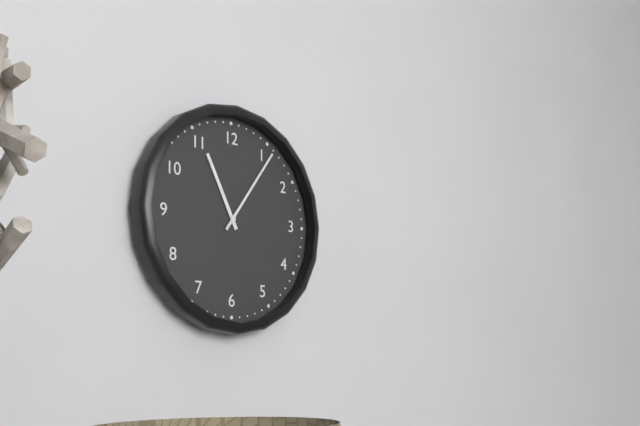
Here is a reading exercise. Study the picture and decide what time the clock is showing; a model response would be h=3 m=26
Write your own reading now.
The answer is h=11 m=6
